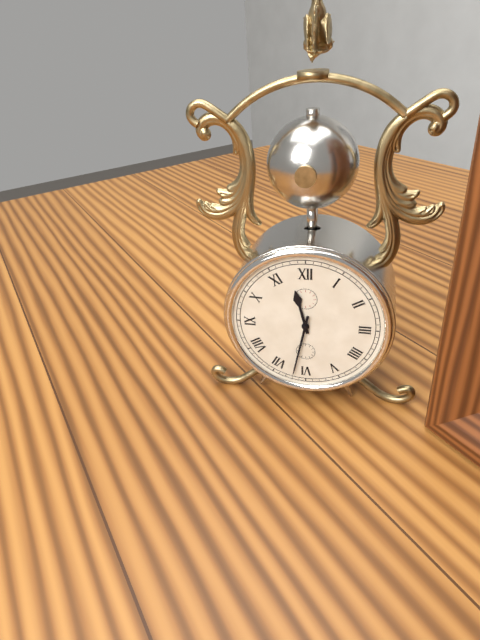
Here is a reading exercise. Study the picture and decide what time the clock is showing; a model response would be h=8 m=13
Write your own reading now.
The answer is h=11 m=32
